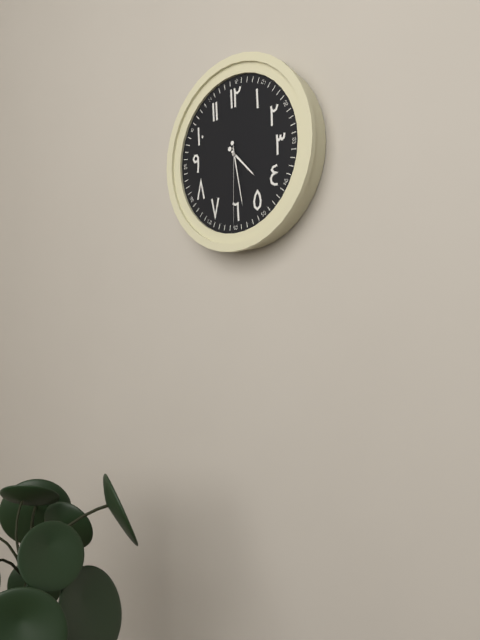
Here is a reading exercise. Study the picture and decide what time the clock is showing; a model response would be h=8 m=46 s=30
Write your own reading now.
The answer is h=4 m=28 s=30
